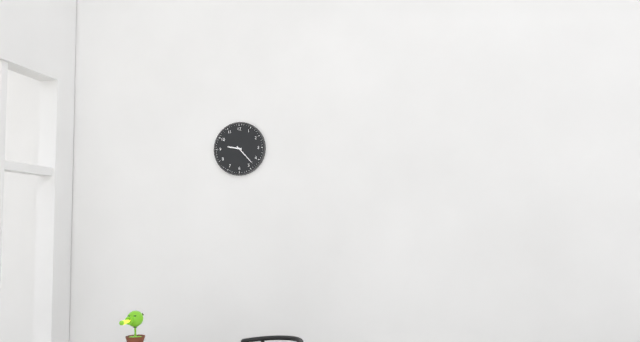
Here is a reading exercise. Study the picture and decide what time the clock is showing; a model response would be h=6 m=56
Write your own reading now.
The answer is h=9 m=23
